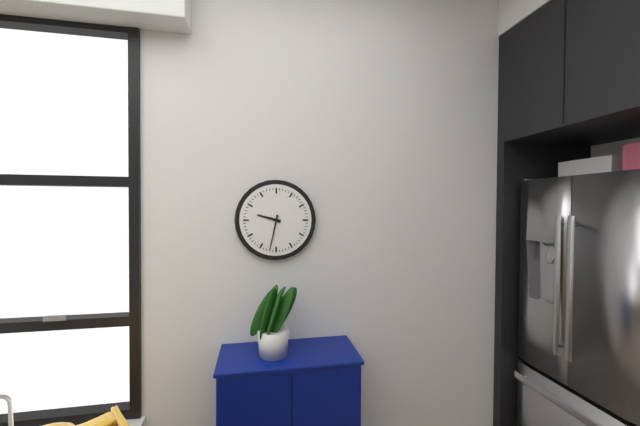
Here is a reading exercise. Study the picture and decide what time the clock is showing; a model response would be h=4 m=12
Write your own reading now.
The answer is h=9 m=32
